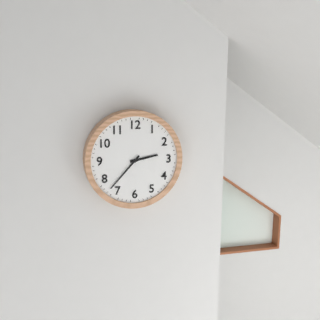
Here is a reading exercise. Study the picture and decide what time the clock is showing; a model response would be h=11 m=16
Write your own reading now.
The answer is h=2 m=37
